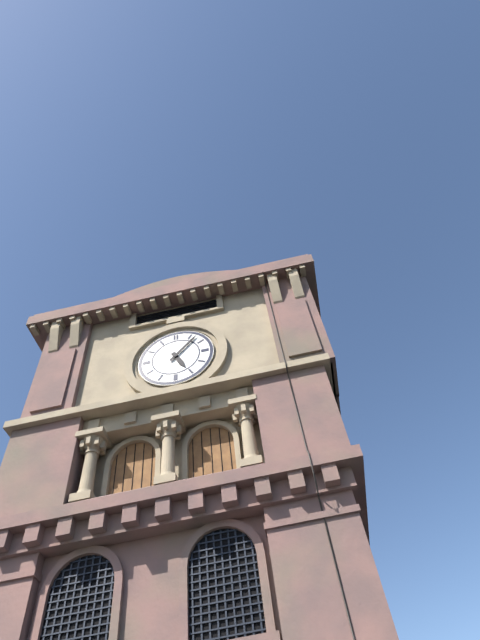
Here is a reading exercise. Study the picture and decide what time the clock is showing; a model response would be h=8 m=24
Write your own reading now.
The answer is h=5 m=7
